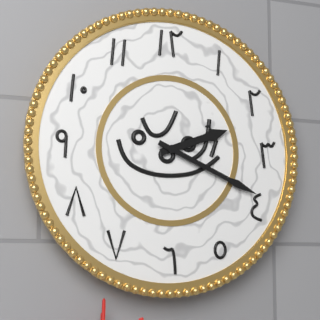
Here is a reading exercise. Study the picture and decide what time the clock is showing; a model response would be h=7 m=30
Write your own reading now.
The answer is h=2 m=19
